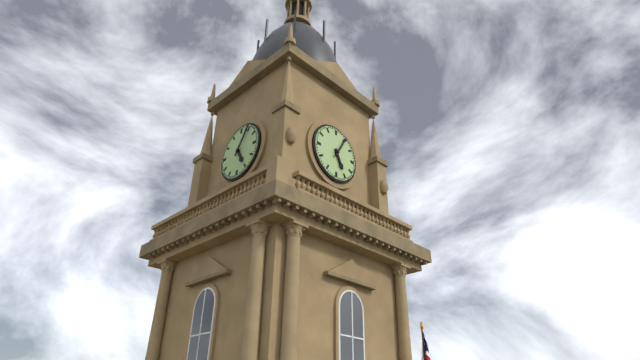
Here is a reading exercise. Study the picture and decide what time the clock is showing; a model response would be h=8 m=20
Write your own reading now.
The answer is h=5 m=5
